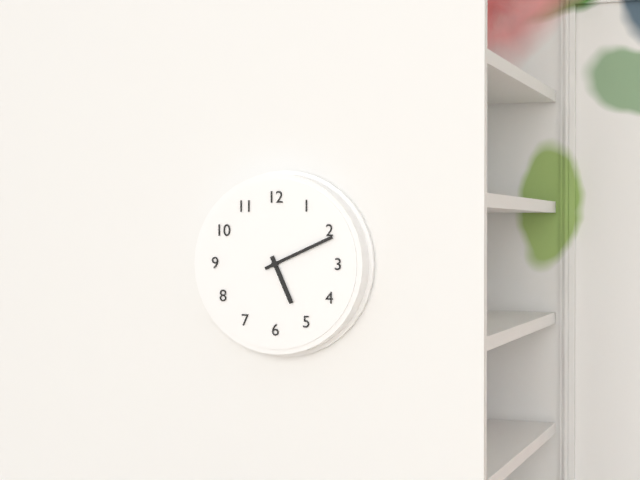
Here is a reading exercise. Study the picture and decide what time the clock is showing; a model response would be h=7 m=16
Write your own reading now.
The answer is h=5 m=11
